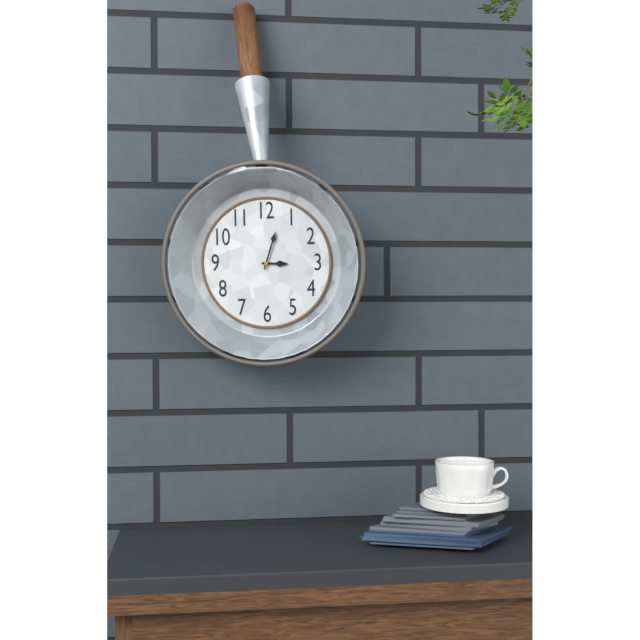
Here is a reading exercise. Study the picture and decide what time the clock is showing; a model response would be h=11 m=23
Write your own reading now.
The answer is h=3 m=3
